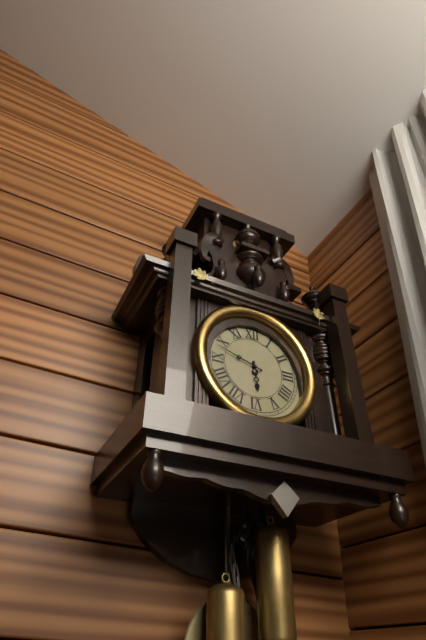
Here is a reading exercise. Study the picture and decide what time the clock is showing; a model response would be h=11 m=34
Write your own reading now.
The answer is h=5 m=48
